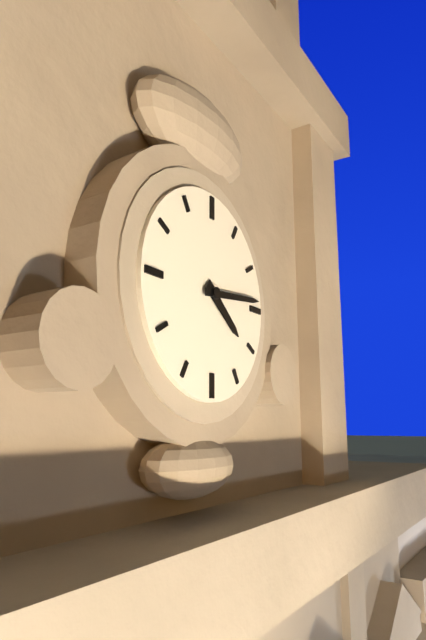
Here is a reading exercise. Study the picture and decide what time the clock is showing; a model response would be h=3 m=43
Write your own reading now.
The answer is h=4 m=14
